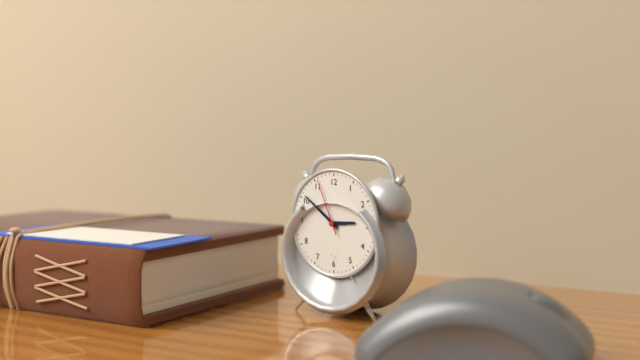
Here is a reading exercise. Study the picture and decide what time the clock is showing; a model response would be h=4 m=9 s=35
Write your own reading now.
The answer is h=2 m=51 s=56
